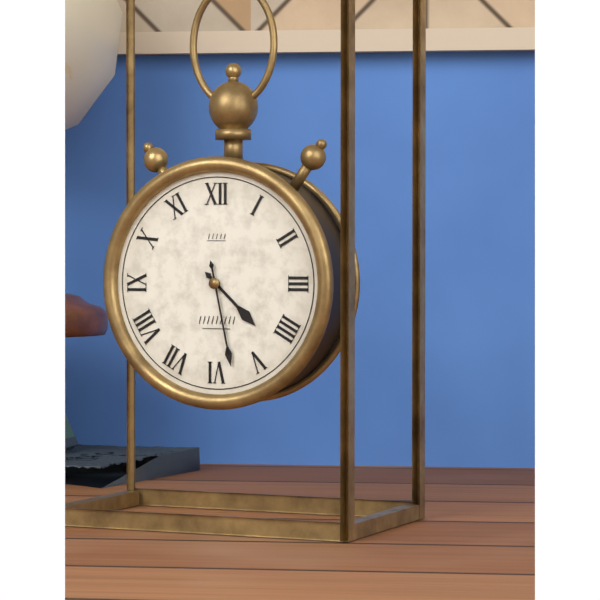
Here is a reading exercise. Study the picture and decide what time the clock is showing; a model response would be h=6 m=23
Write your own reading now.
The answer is h=4 m=28
